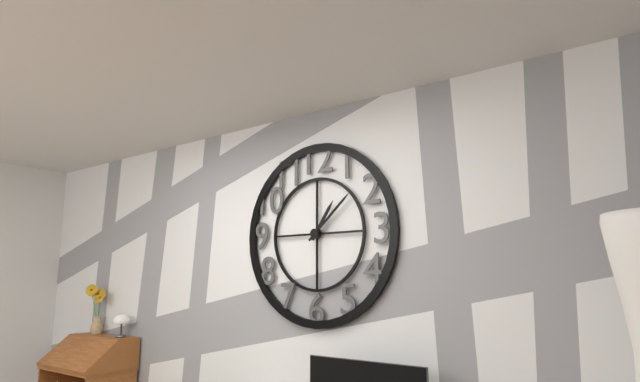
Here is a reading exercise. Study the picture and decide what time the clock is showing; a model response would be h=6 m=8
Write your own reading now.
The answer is h=1 m=8
